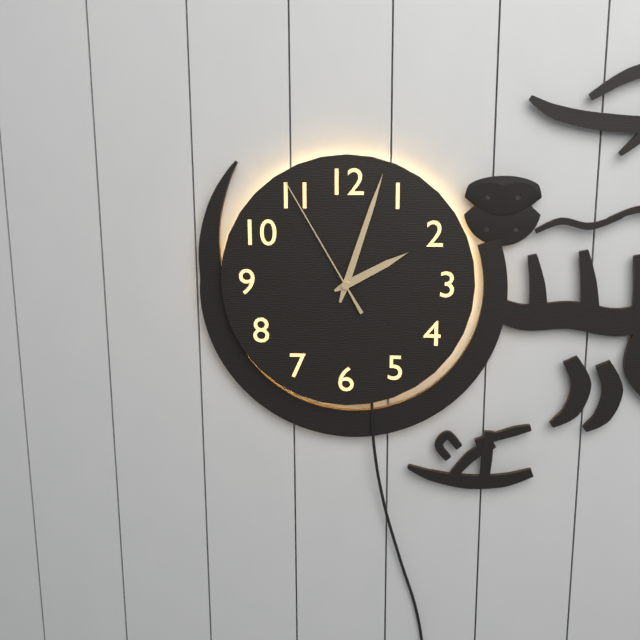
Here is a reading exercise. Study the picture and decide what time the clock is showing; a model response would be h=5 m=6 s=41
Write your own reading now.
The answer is h=2 m=3 s=55
